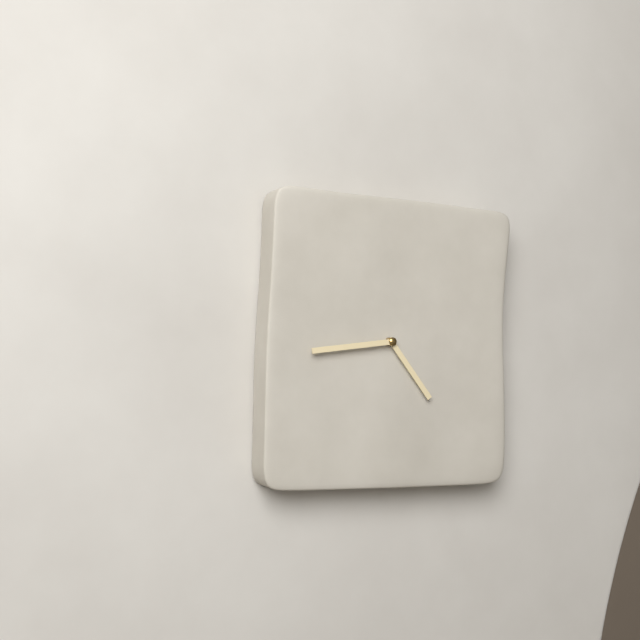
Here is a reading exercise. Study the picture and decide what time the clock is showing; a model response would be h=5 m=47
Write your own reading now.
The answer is h=4 m=44
